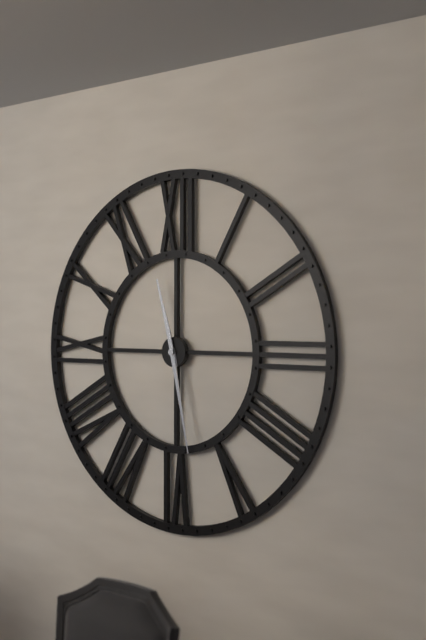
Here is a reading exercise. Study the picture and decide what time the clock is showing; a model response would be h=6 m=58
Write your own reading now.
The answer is h=11 m=28
